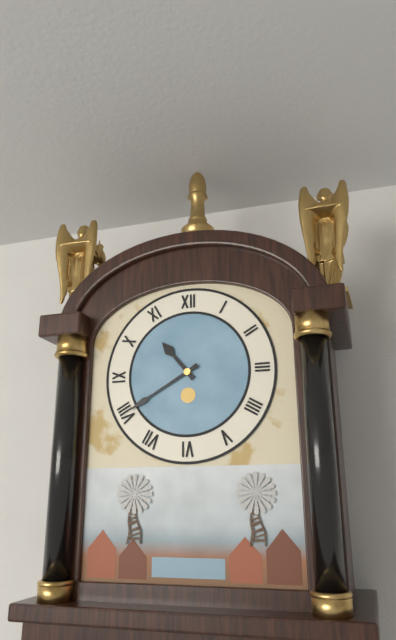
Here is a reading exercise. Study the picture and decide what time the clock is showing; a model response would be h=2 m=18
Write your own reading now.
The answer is h=10 m=40
